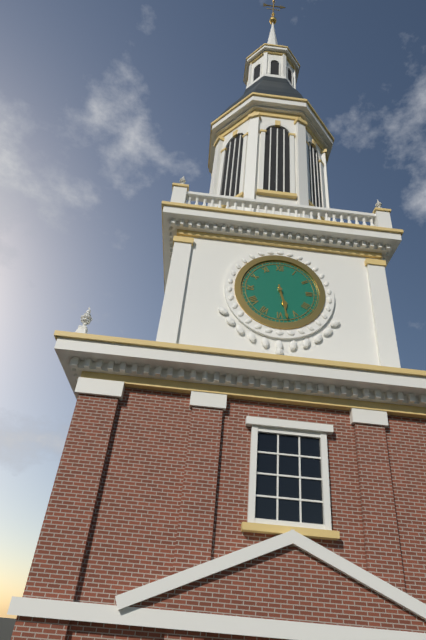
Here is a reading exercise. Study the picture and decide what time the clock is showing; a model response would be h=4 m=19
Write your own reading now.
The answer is h=5 m=28
